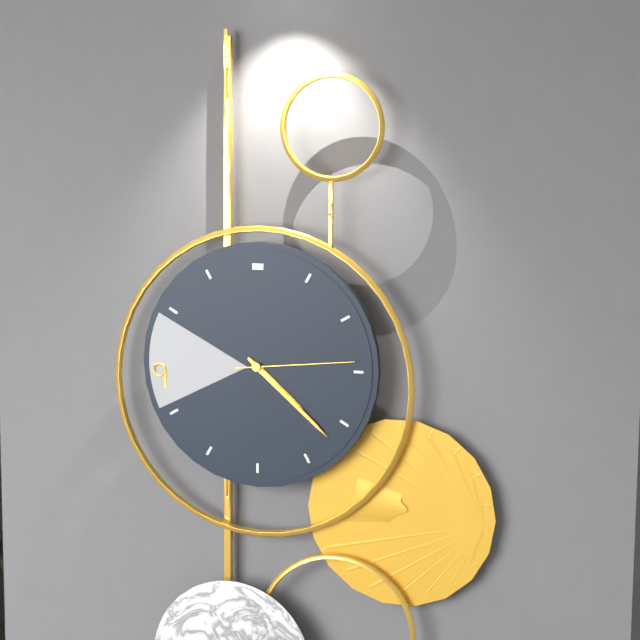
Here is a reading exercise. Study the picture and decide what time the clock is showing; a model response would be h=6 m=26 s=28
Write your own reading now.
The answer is h=4 m=22 s=14
